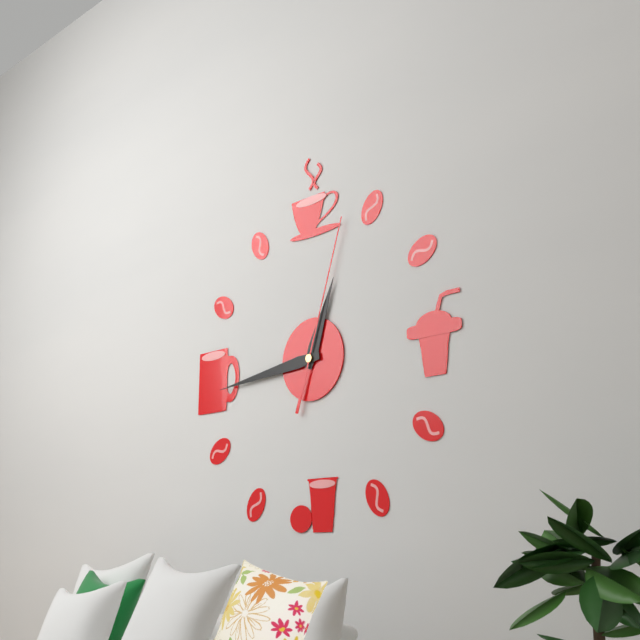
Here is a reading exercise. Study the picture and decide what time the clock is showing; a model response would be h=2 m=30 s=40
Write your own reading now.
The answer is h=12 m=44 s=3
